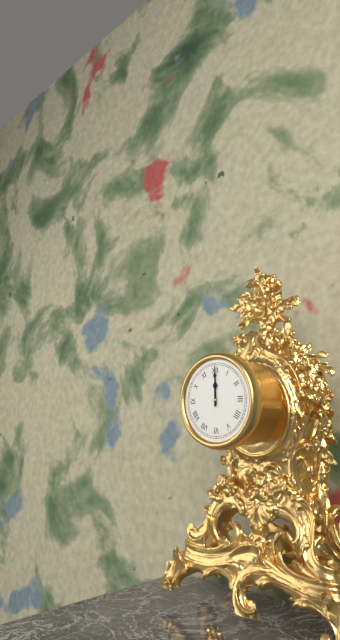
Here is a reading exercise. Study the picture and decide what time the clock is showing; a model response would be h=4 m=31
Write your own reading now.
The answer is h=12 m=0
